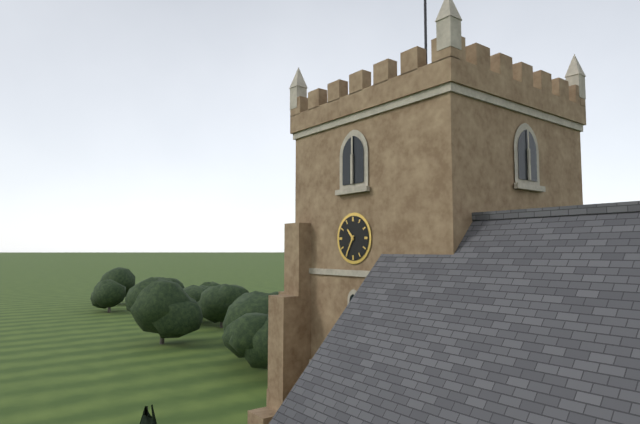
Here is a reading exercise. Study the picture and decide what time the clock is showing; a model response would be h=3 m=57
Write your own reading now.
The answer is h=10 m=35
